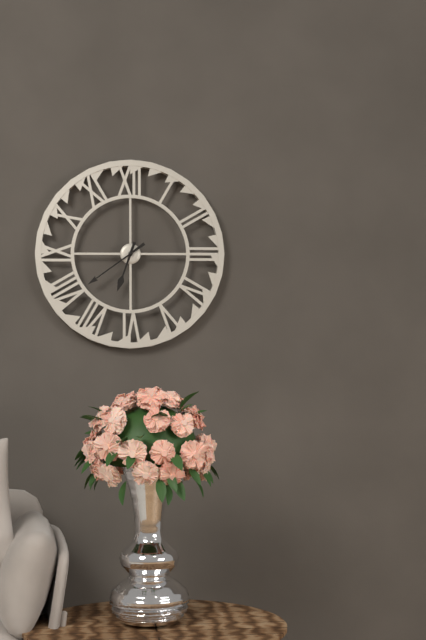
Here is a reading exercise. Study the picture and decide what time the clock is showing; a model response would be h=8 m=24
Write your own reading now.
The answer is h=6 m=39
